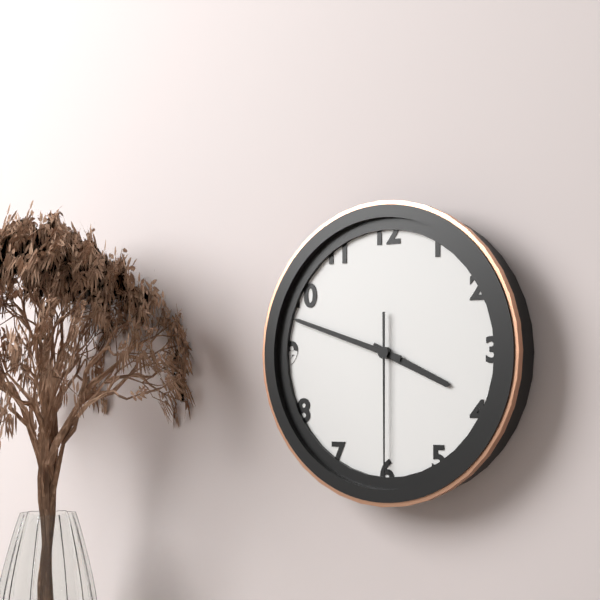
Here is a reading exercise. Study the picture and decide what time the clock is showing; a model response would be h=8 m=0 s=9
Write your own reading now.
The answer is h=3 m=48 s=30
